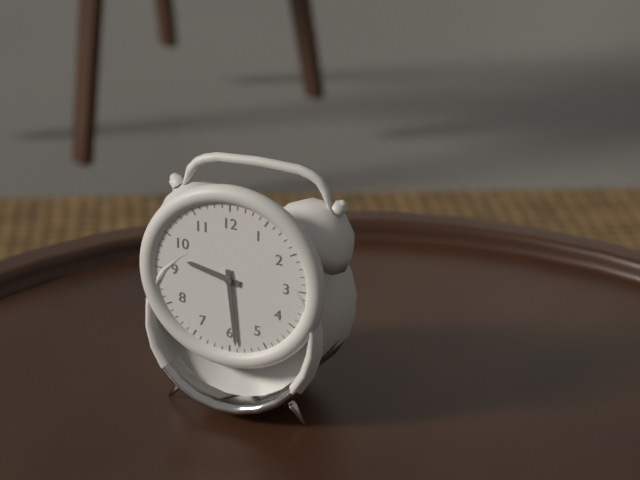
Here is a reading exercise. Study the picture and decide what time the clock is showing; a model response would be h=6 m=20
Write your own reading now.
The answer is h=9 m=29
